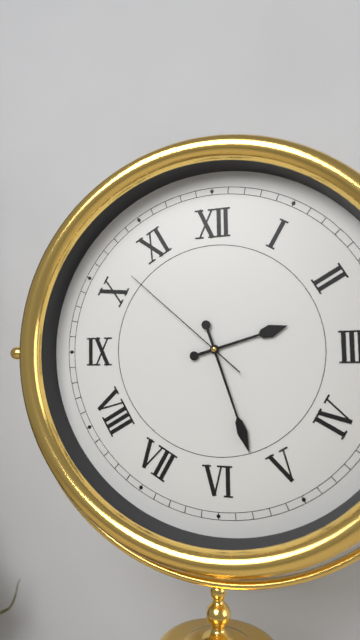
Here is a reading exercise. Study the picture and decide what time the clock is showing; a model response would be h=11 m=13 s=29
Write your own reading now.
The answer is h=2 m=27 s=52
